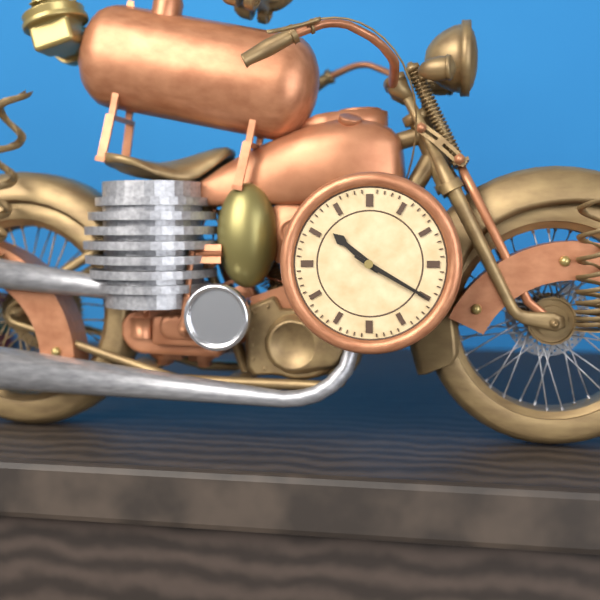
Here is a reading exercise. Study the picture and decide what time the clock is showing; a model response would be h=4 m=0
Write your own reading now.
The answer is h=10 m=20
